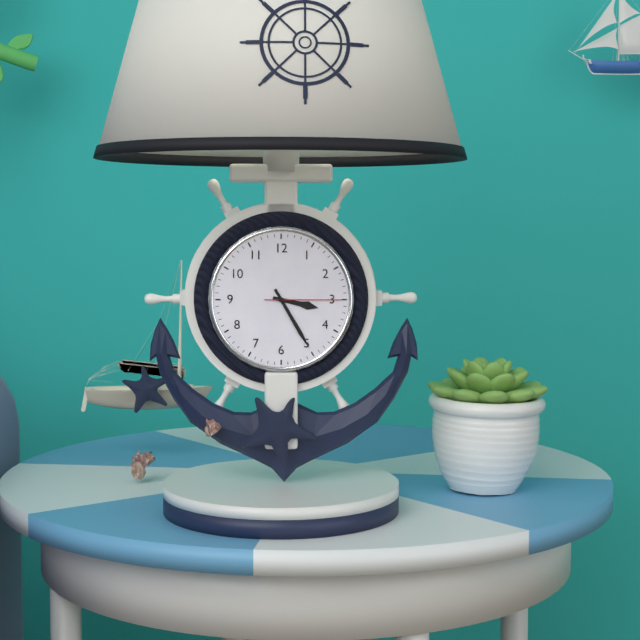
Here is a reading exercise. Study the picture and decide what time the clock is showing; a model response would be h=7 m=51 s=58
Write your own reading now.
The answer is h=3 m=25 s=15
